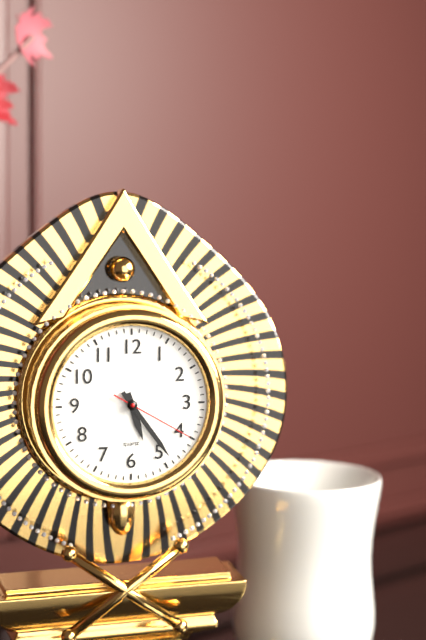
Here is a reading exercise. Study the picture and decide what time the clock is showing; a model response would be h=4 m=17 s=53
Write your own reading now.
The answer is h=5 m=24 s=20
